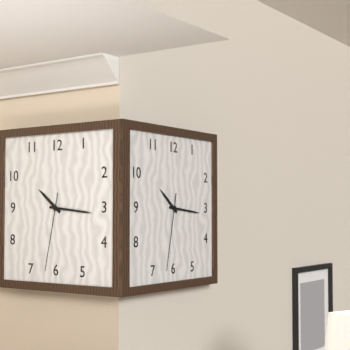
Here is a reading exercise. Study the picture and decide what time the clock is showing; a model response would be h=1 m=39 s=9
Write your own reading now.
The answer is h=10 m=16 s=32
